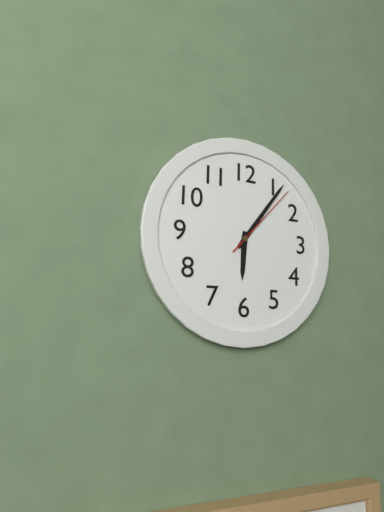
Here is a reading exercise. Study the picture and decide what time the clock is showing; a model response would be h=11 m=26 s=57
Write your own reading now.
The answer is h=6 m=6 s=7
